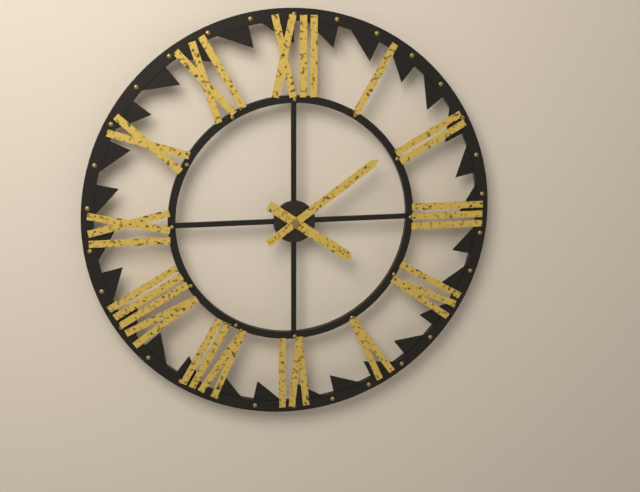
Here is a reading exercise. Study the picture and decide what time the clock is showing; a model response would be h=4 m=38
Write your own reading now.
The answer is h=4 m=9
